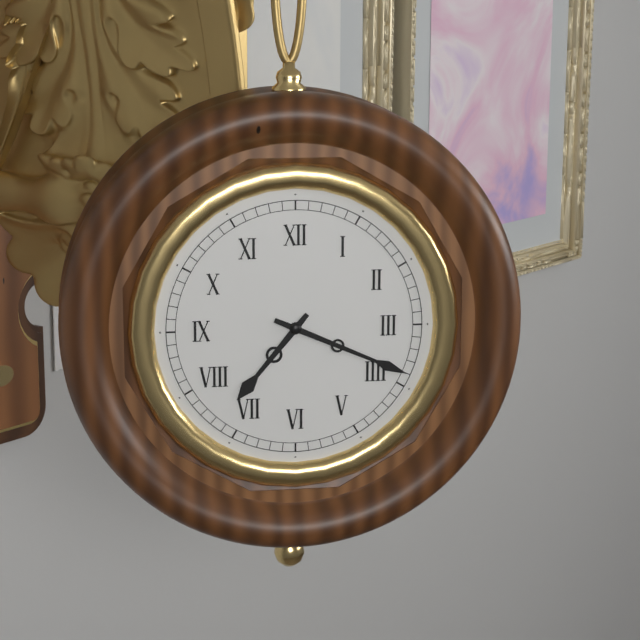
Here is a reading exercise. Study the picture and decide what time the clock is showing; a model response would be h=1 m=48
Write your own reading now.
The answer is h=7 m=19
